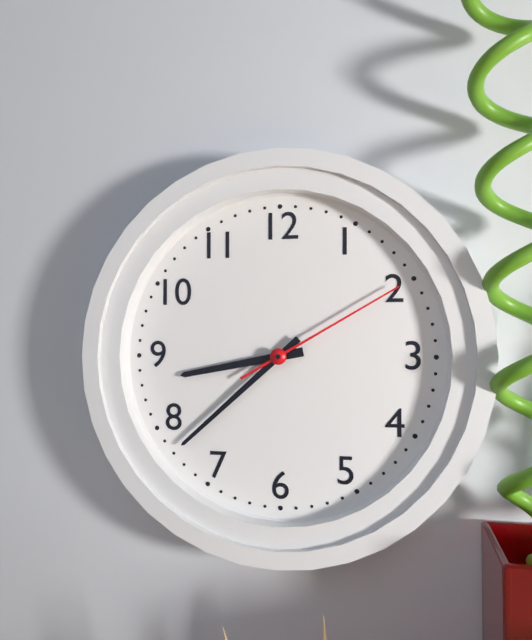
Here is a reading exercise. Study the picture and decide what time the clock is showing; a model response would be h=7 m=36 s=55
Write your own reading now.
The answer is h=8 m=38 s=10
